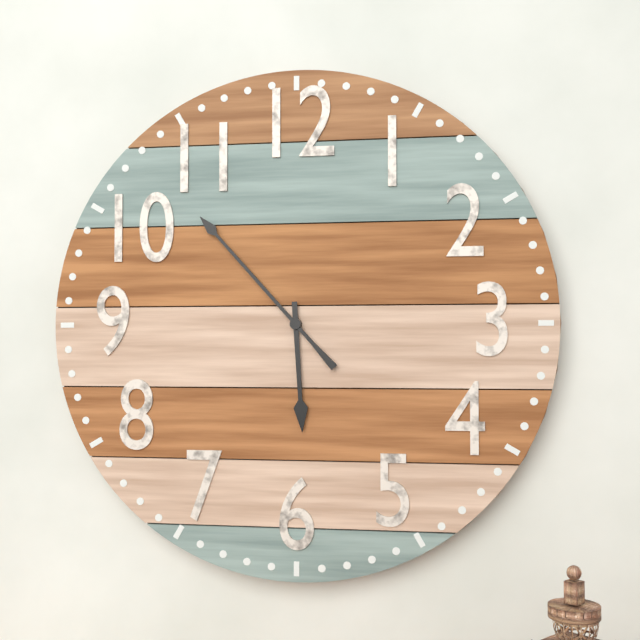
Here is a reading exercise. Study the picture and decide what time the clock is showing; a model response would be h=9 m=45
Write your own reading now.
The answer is h=5 m=53
